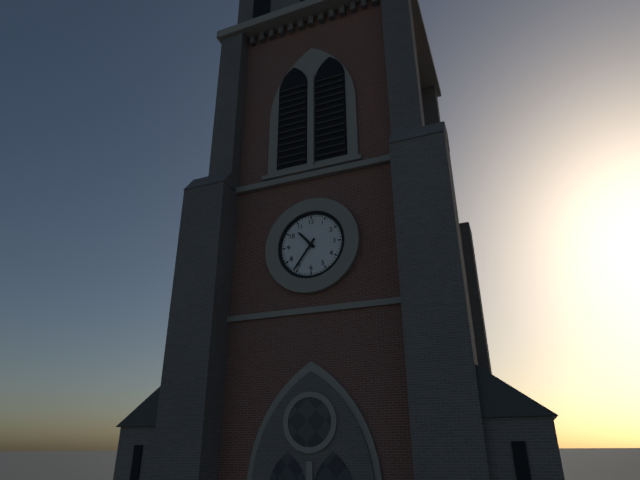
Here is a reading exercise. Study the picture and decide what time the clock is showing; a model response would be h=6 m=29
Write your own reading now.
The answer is h=10 m=36
